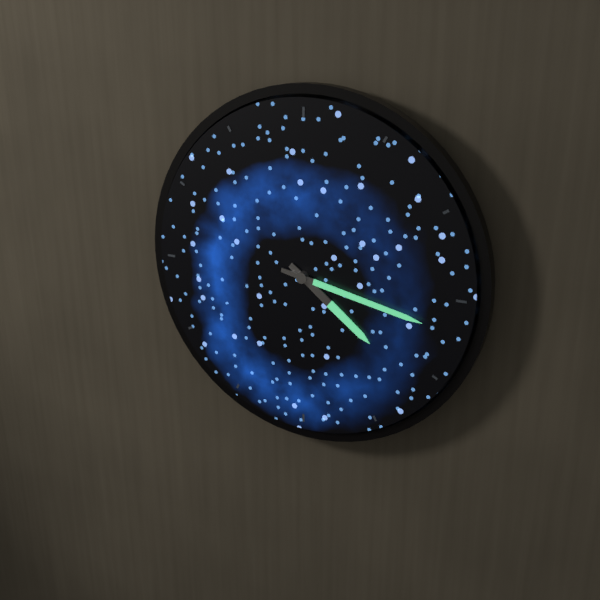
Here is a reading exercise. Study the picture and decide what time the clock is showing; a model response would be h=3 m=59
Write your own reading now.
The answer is h=4 m=17
